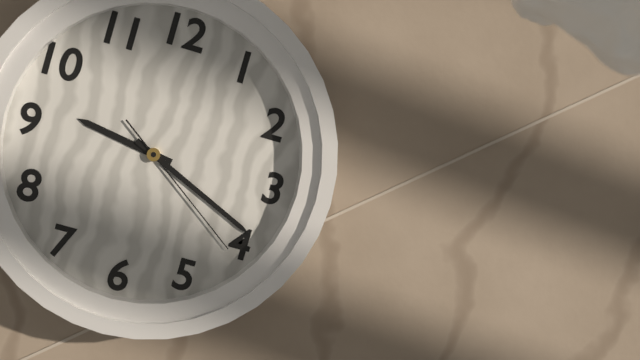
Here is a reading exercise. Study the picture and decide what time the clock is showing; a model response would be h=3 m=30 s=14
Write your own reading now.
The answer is h=9 m=19 s=21
